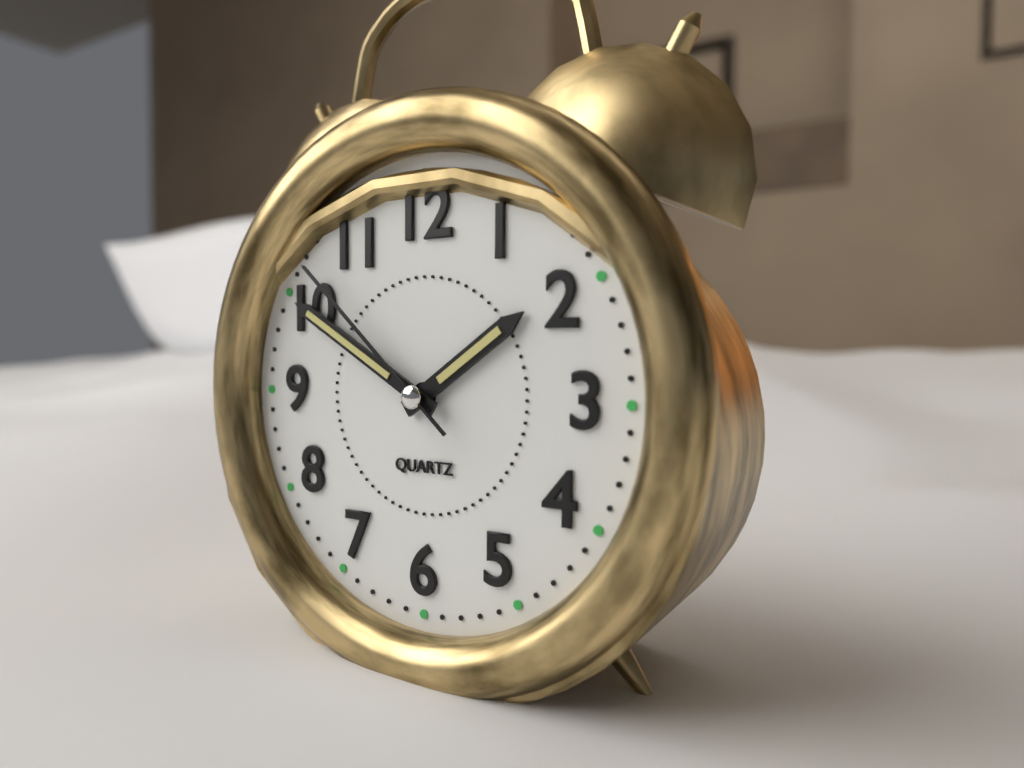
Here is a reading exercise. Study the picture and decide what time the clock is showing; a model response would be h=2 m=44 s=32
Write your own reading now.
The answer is h=1 m=50 s=52
